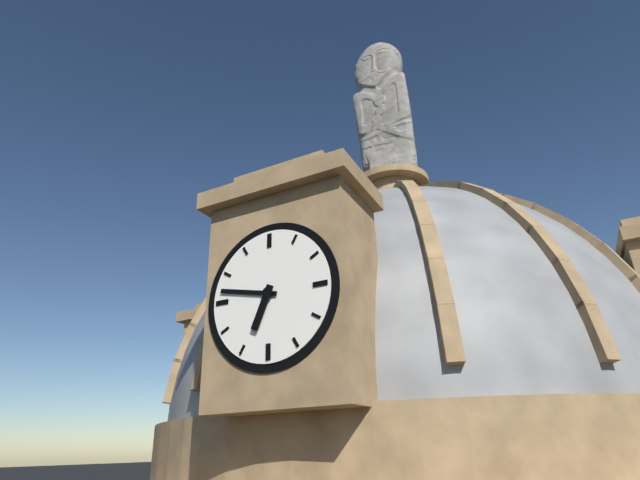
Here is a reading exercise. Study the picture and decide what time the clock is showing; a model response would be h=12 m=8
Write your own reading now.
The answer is h=6 m=47
